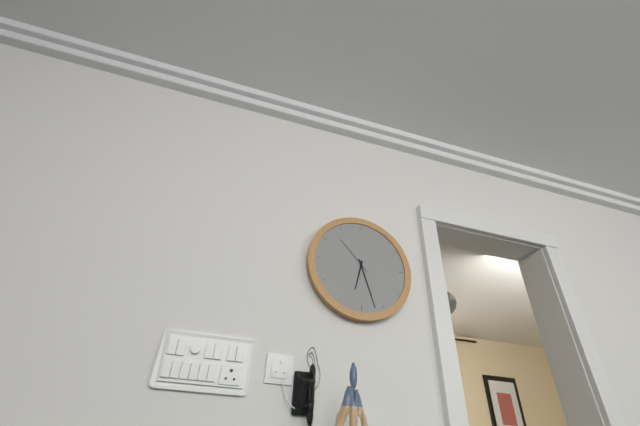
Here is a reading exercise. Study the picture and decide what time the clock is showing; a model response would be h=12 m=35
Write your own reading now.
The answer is h=6 m=27
